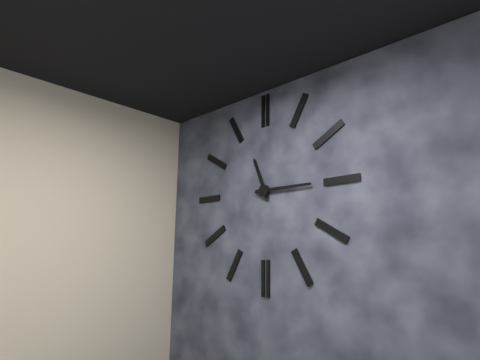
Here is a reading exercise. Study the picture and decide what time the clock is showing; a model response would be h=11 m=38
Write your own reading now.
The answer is h=11 m=15
